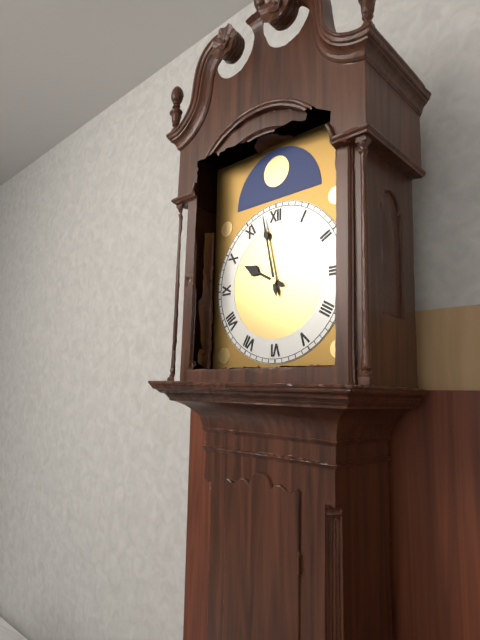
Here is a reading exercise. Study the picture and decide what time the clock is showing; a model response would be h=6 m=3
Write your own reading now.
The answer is h=9 m=58
